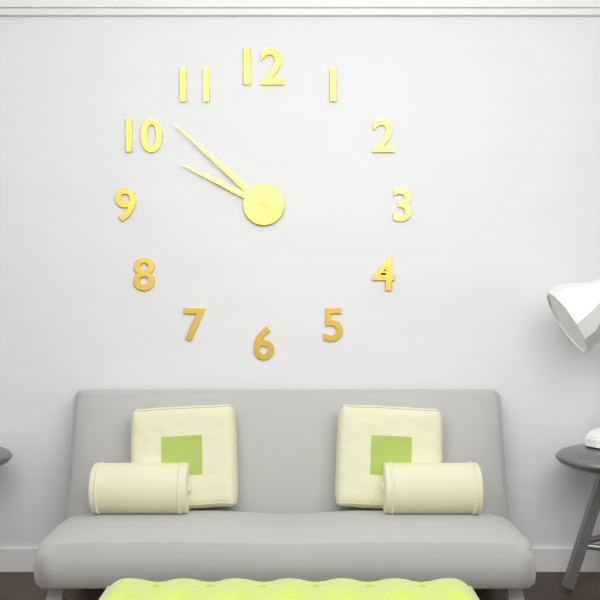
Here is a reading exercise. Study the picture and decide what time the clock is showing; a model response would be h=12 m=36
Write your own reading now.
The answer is h=9 m=52
